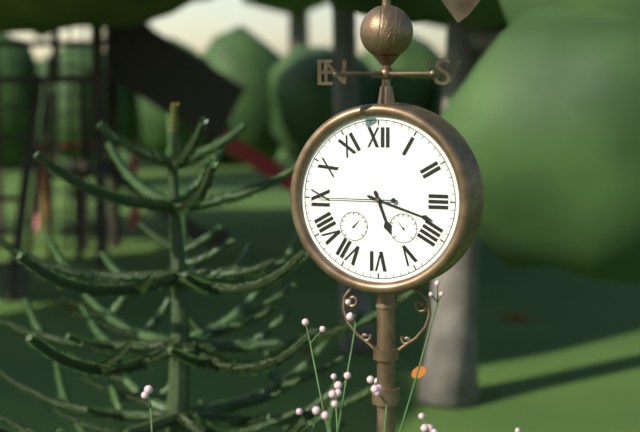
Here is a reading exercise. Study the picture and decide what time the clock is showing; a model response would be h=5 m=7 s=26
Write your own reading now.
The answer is h=5 m=18 s=45
